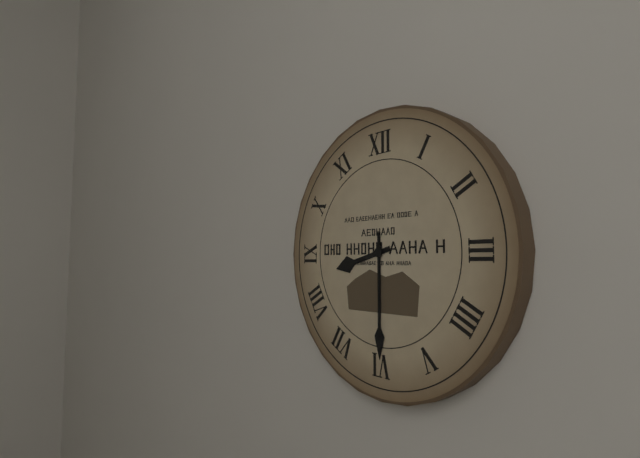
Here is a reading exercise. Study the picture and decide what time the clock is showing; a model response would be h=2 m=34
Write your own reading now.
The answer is h=8 m=30
